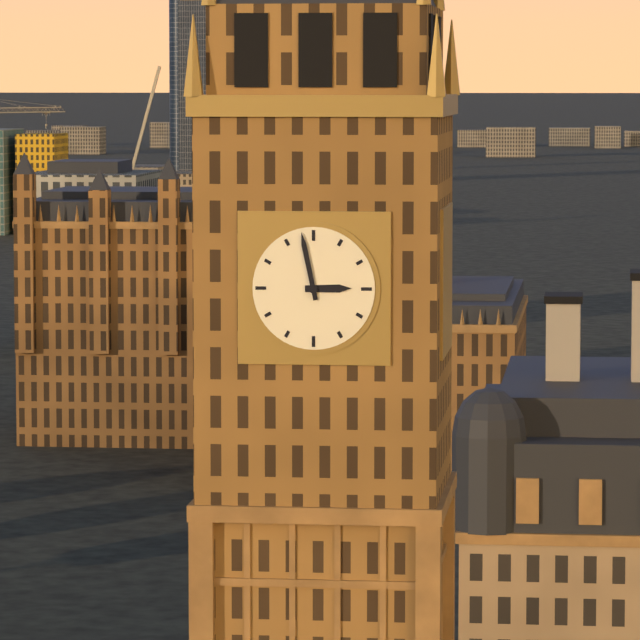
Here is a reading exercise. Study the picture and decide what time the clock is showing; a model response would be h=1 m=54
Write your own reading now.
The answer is h=2 m=58
